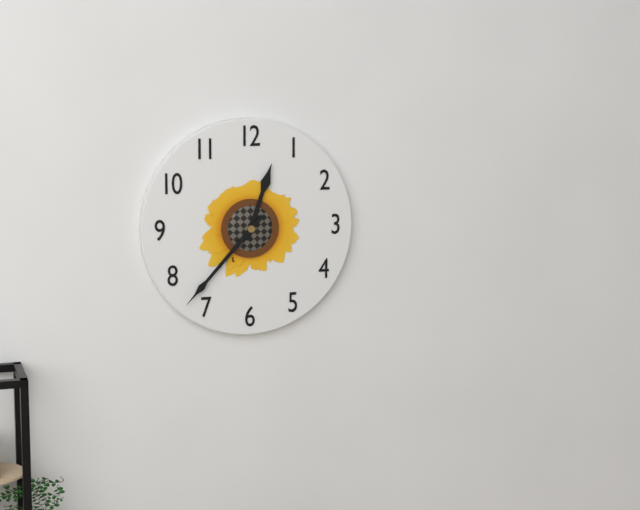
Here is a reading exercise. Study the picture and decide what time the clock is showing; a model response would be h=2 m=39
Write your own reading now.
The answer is h=12 m=37
